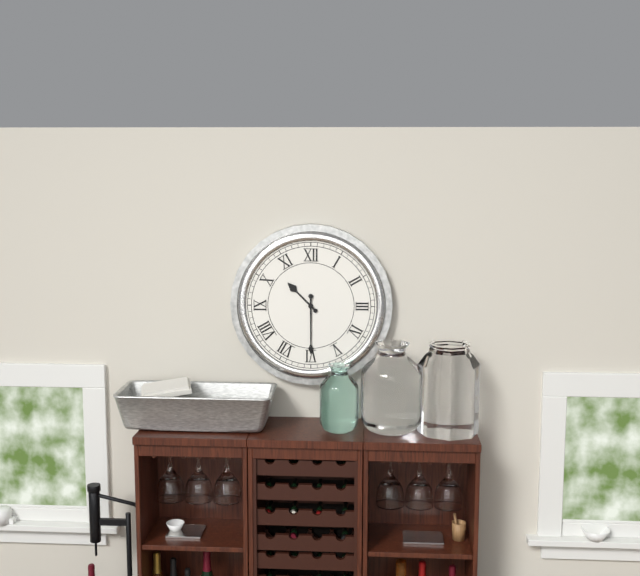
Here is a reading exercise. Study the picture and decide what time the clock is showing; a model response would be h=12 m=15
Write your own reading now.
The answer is h=10 m=30
